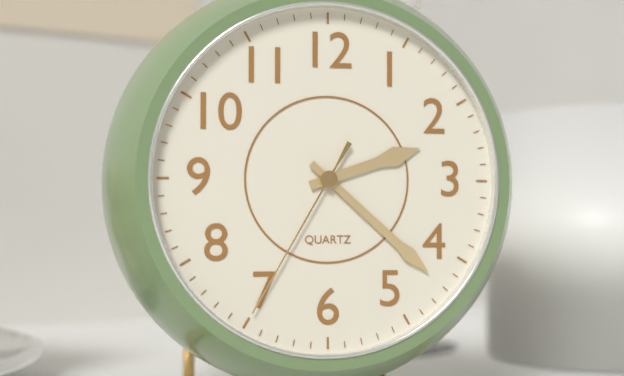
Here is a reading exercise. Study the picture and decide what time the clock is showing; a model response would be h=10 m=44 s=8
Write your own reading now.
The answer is h=2 m=22 s=35
